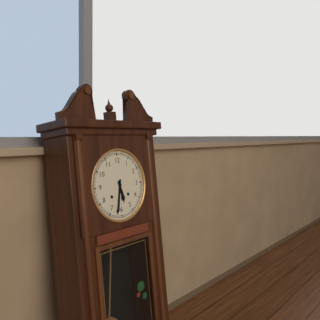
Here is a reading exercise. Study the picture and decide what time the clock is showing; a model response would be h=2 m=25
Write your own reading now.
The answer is h=5 m=32
